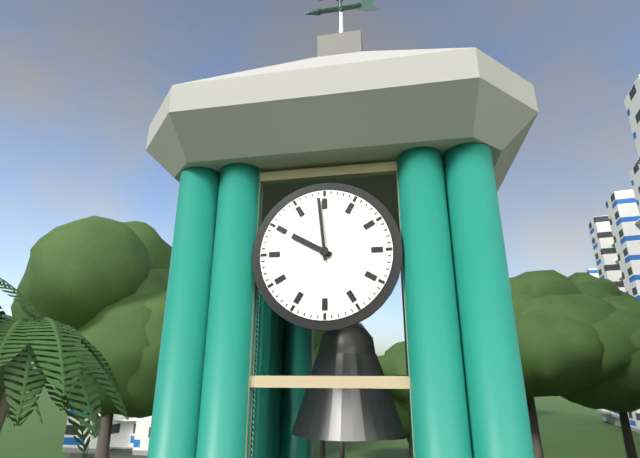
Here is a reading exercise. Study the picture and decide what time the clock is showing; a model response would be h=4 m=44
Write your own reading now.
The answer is h=9 m=59
